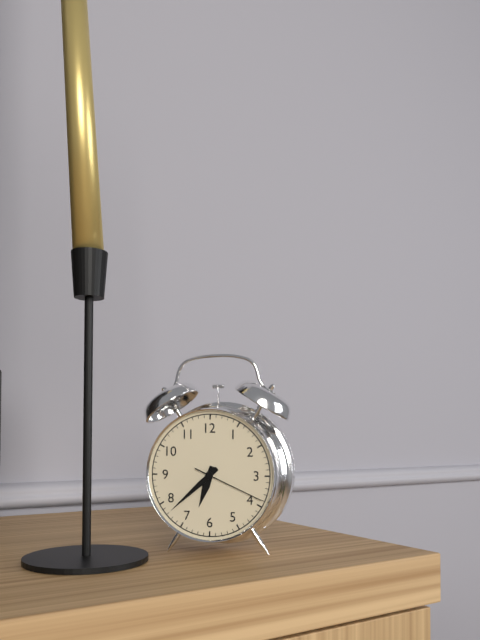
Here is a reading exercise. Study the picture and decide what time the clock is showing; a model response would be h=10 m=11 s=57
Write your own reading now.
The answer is h=6 m=38 s=19
